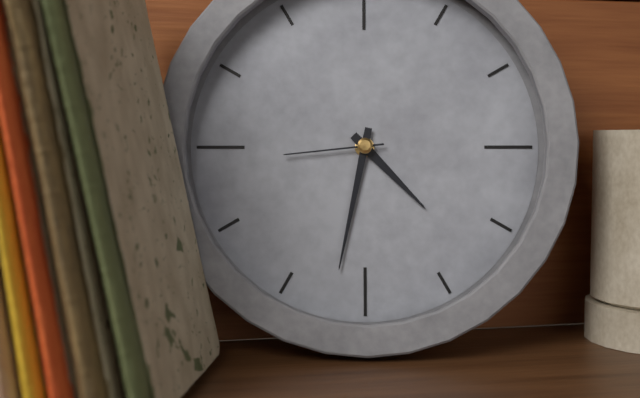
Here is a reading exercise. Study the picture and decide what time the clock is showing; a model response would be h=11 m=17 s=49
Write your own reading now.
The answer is h=4 m=32 s=44
